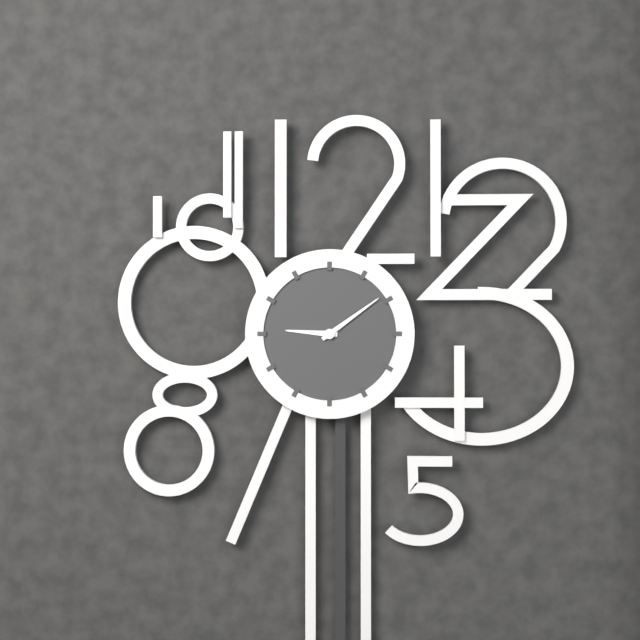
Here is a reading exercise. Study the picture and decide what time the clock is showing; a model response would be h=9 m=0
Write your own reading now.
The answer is h=9 m=9
